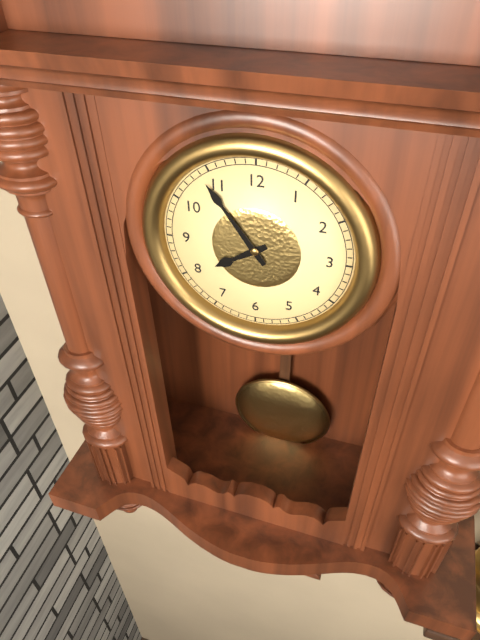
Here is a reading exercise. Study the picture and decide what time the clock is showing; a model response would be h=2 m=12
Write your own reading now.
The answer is h=7 m=54
